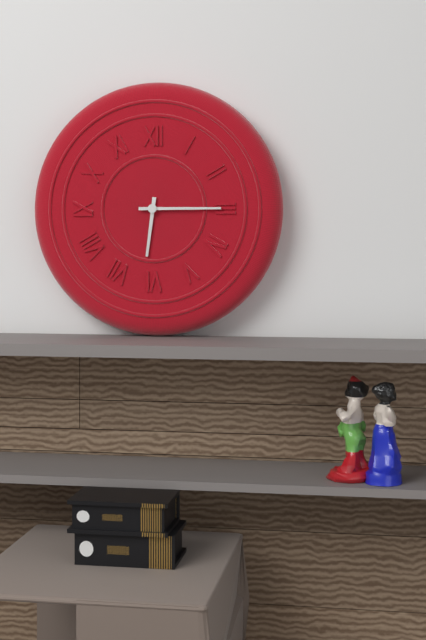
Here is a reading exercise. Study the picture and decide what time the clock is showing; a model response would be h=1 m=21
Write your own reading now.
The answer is h=6 m=15
